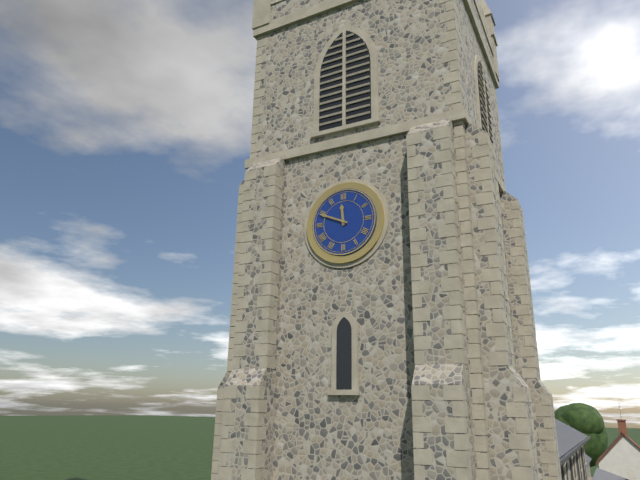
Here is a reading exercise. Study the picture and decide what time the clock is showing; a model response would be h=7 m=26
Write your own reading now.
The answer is h=11 m=49
